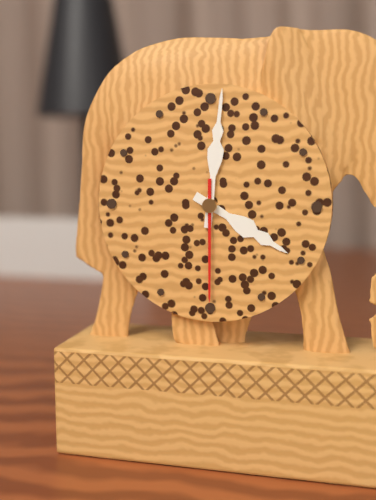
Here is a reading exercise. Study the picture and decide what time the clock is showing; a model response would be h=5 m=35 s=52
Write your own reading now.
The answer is h=4 m=1 s=30
